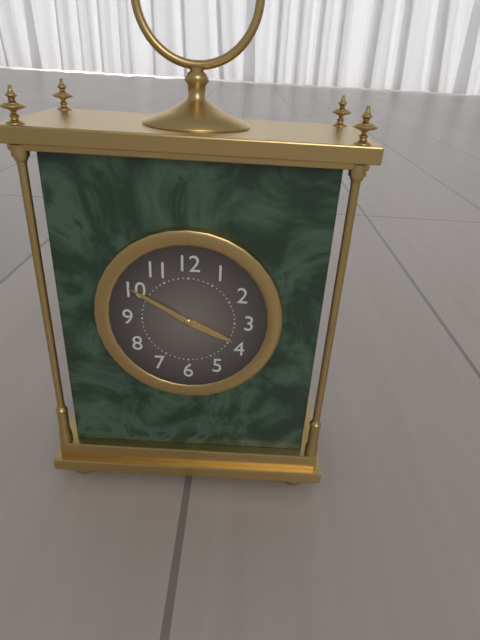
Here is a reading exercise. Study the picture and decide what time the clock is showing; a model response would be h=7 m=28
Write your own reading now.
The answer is h=3 m=50
